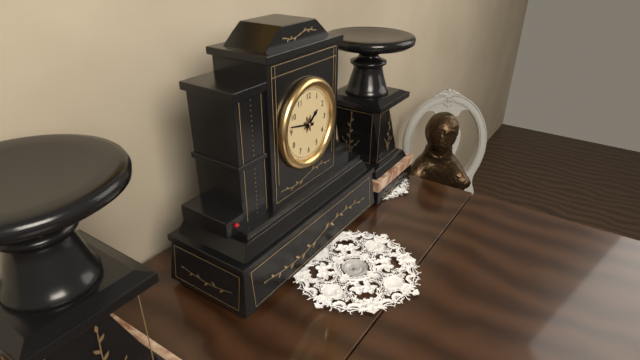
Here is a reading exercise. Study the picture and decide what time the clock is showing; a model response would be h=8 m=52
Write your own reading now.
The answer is h=1 m=47
